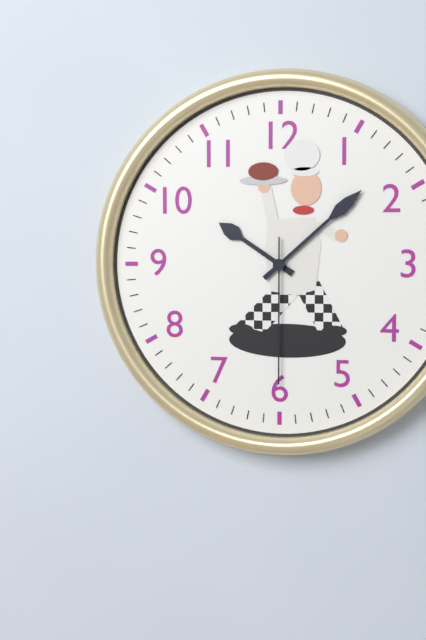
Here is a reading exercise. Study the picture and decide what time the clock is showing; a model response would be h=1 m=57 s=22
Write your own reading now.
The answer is h=10 m=8 s=30
